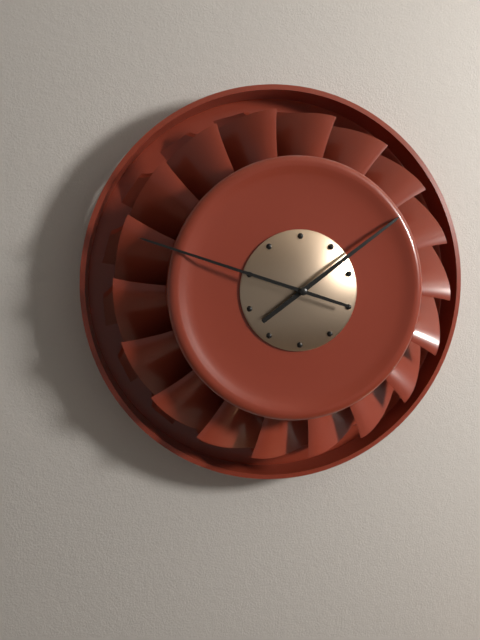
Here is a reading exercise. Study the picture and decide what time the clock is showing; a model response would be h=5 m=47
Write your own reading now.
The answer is h=1 m=48
